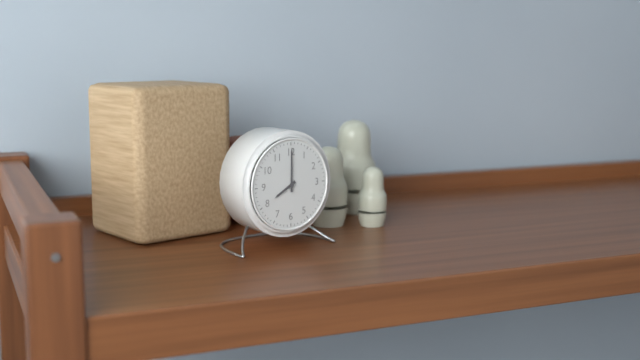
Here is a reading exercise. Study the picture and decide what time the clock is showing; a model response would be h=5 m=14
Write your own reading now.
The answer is h=8 m=0
